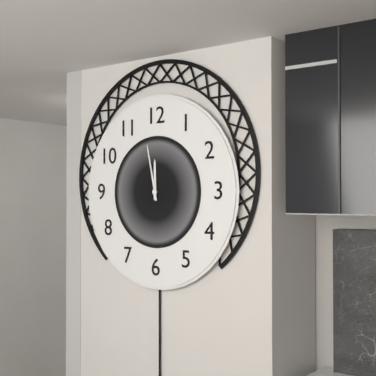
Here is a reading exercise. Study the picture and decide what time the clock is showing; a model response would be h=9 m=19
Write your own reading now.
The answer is h=11 m=58
